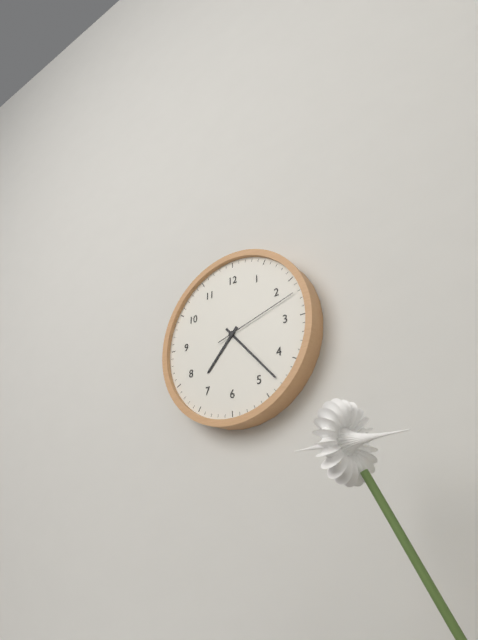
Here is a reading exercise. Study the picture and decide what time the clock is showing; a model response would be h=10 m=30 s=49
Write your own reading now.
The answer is h=7 m=23 s=12
